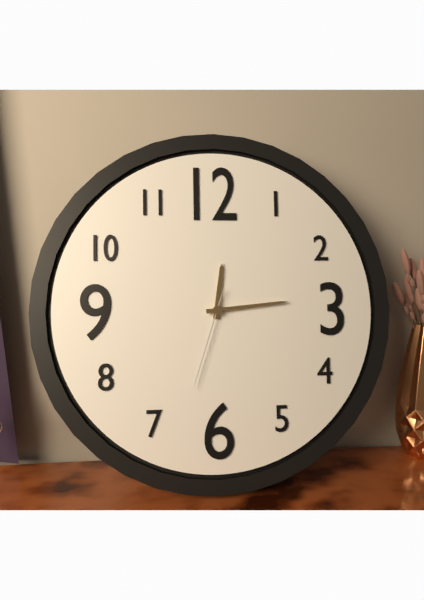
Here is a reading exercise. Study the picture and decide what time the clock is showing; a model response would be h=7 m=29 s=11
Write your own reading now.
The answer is h=12 m=14 s=33
